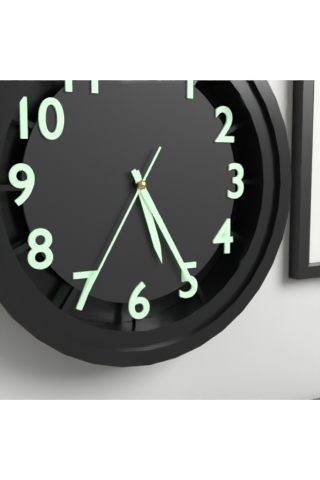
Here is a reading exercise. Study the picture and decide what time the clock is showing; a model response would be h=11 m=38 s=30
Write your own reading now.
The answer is h=5 m=25 s=35
